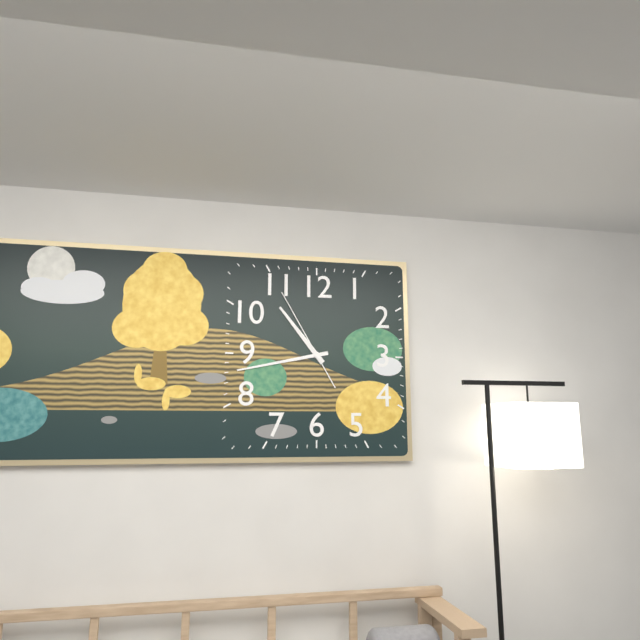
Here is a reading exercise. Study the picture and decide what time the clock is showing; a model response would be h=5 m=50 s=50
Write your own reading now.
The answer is h=10 m=43 s=55
